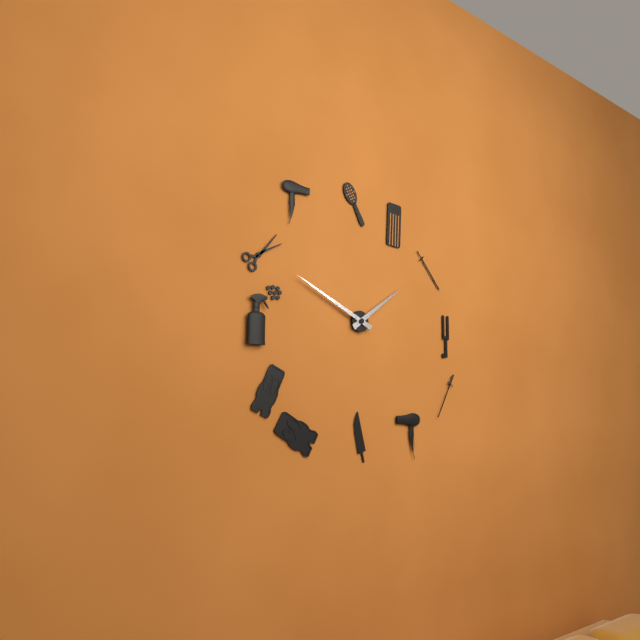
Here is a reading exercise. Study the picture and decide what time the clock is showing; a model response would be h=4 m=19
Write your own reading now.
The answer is h=1 m=49
